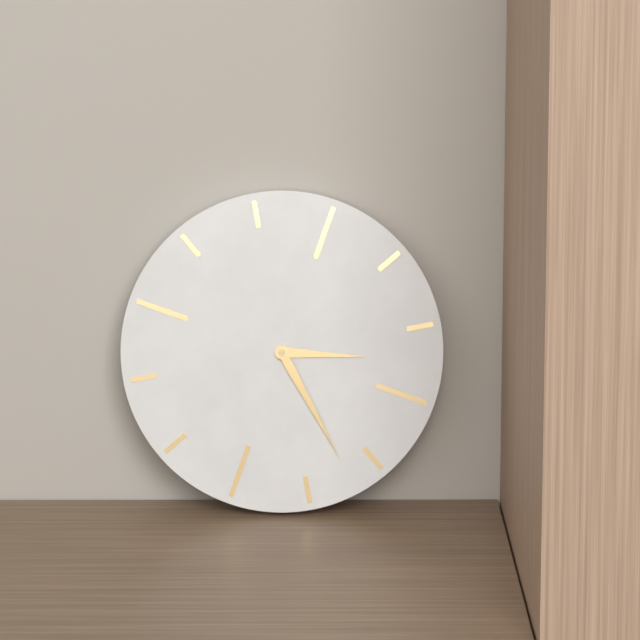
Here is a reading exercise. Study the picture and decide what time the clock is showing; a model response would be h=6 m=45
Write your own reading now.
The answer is h=3 m=27
